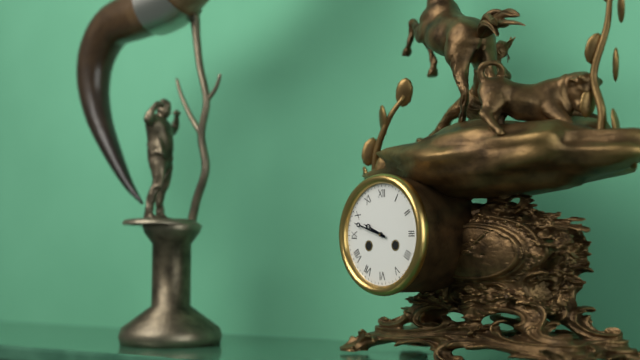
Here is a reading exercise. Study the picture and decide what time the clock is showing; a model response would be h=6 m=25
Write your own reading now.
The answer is h=9 m=48
